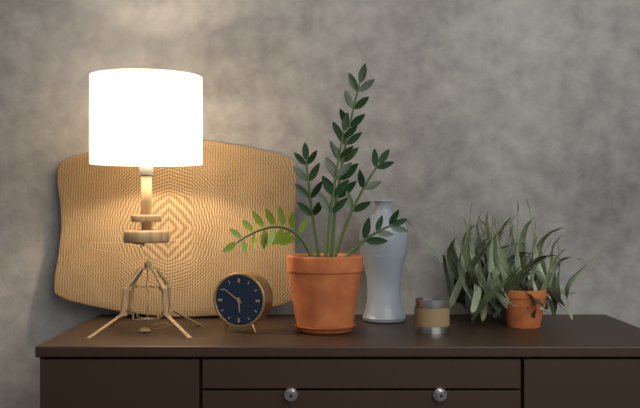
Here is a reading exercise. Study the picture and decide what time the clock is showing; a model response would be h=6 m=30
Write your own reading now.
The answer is h=5 m=51
